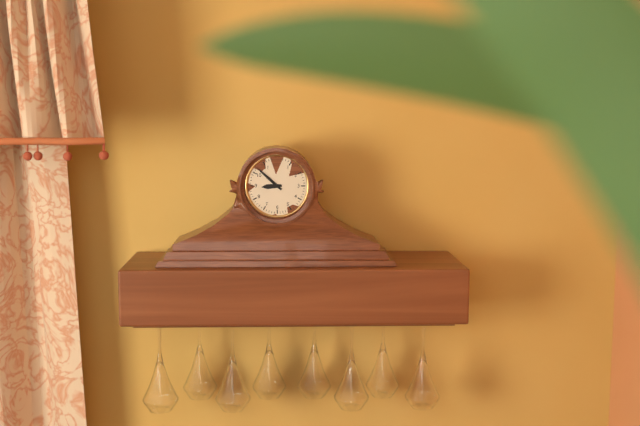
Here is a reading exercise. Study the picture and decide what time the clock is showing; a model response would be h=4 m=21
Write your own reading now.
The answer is h=8 m=52
